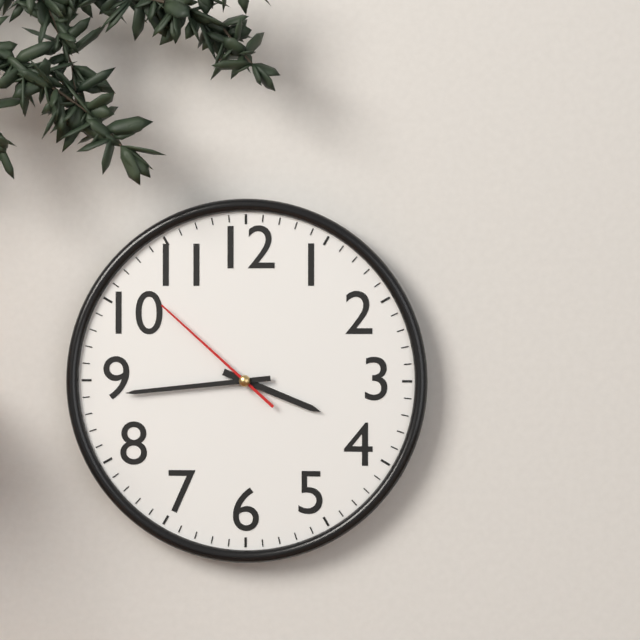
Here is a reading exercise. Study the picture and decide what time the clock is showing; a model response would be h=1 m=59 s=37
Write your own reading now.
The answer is h=3 m=44 s=52
